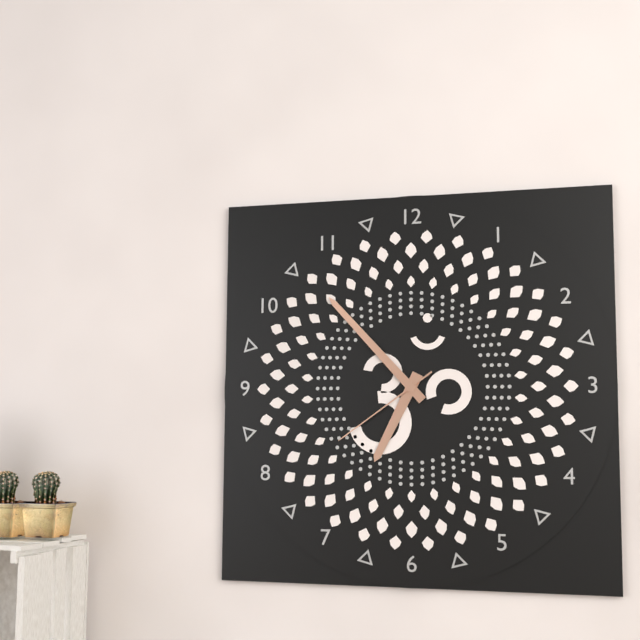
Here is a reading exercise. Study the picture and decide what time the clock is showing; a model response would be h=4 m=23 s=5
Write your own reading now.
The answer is h=6 m=53 s=39
